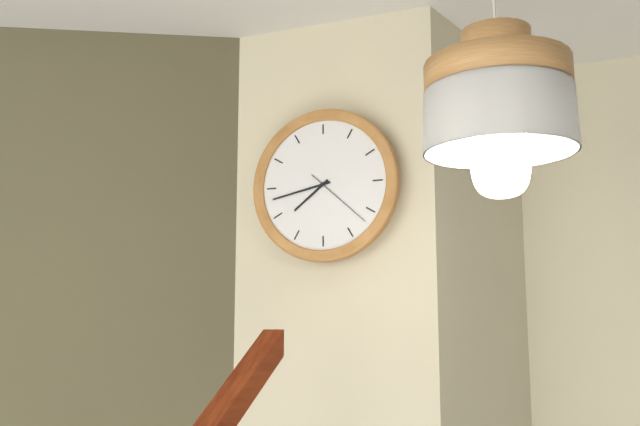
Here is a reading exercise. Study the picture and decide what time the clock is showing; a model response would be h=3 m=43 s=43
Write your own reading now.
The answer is h=7 m=43 s=22
